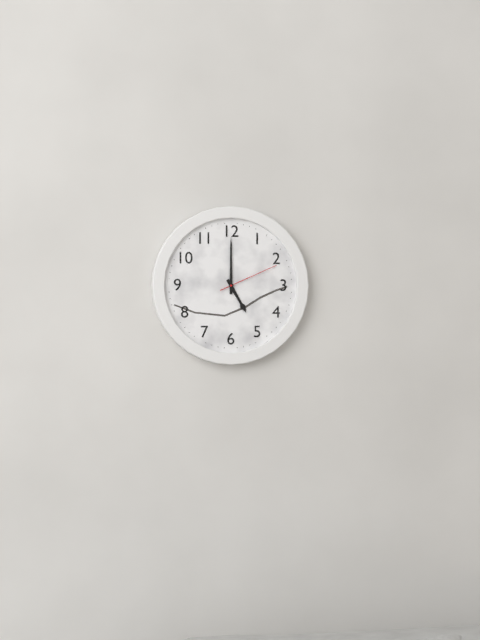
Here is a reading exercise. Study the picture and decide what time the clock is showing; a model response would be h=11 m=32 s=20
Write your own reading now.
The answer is h=5 m=0 s=11
